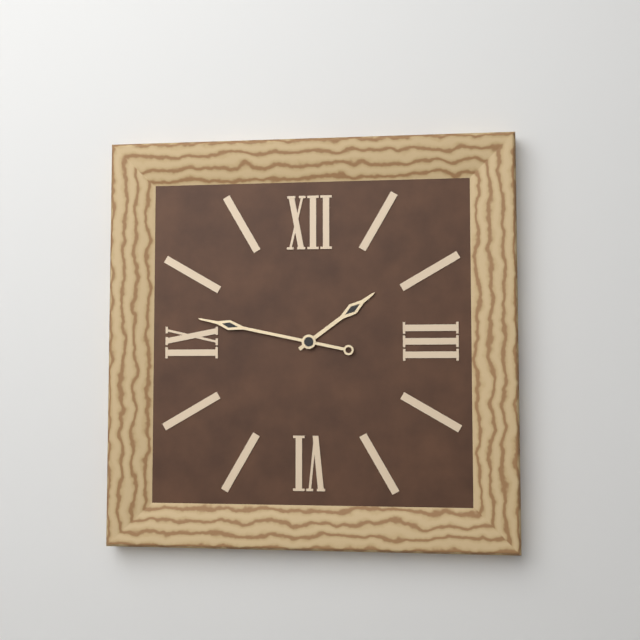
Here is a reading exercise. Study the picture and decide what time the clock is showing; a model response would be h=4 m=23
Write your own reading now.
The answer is h=1 m=47
